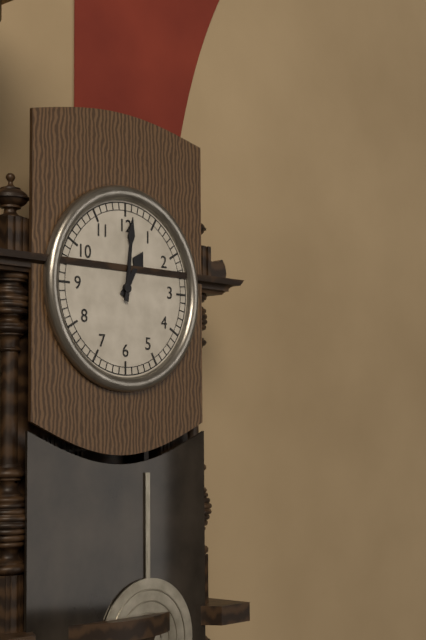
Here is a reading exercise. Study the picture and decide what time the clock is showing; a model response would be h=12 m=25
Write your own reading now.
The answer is h=1 m=1
